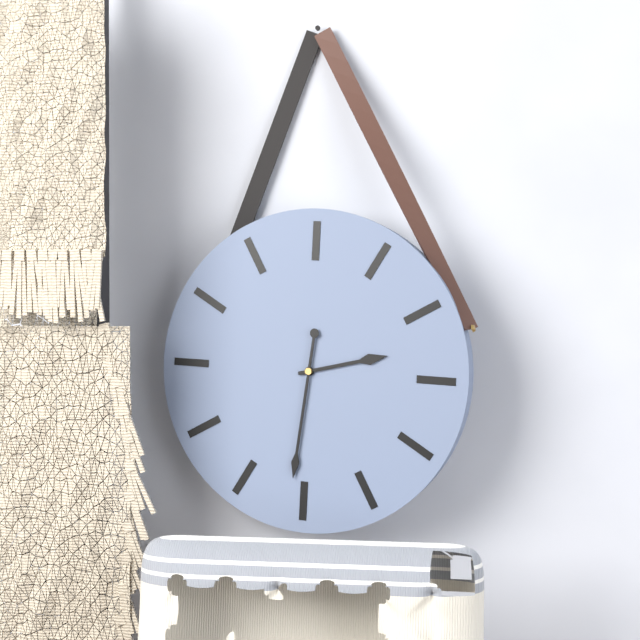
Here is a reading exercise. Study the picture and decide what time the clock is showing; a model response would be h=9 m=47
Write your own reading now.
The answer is h=2 m=31
